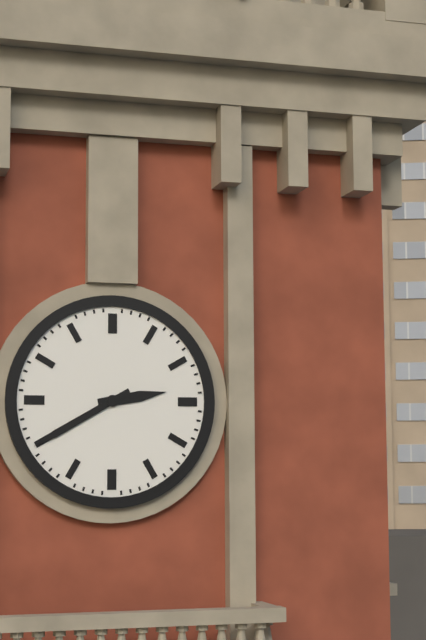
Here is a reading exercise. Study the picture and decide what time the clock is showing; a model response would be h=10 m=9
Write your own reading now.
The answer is h=2 m=40
